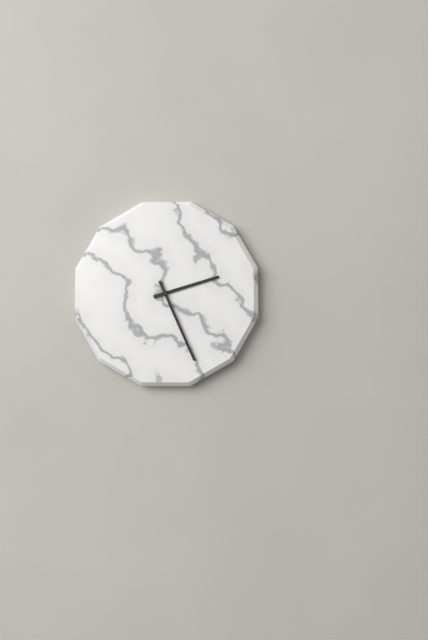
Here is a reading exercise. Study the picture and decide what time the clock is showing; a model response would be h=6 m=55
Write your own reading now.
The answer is h=2 m=26
